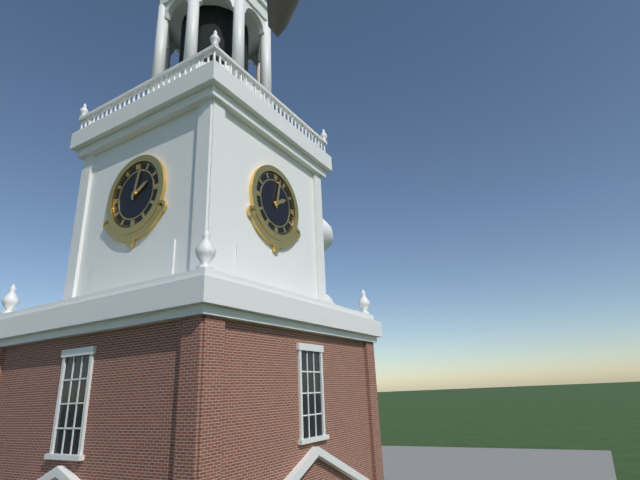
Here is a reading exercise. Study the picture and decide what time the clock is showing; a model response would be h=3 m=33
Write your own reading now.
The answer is h=2 m=2
